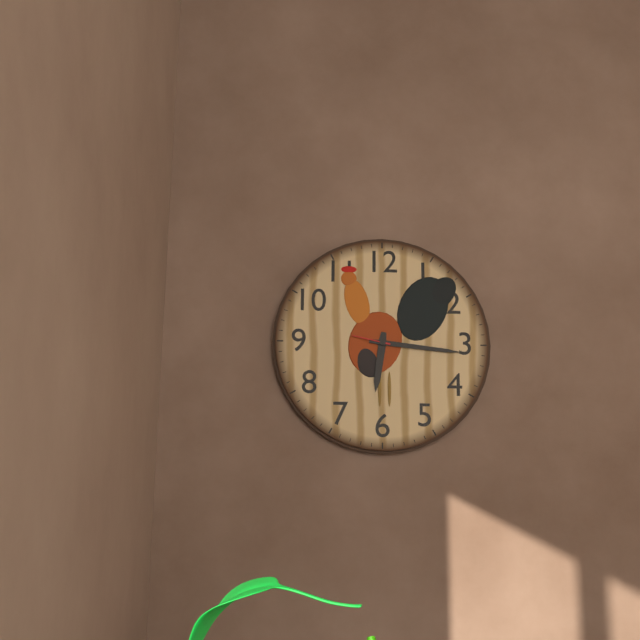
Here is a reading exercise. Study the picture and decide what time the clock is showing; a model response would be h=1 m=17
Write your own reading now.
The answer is h=6 m=16
